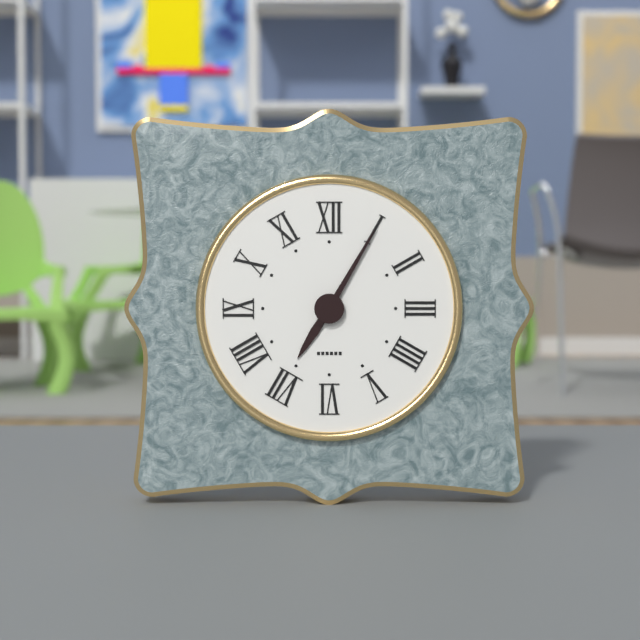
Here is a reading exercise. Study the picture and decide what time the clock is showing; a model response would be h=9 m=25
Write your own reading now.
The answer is h=7 m=5
